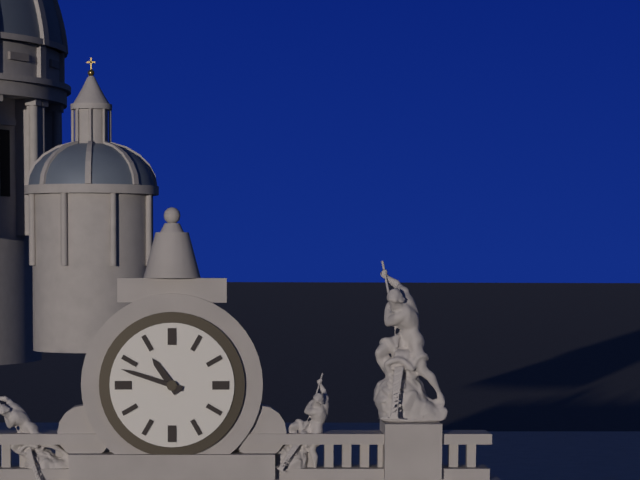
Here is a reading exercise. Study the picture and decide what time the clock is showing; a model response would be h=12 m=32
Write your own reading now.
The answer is h=10 m=48
